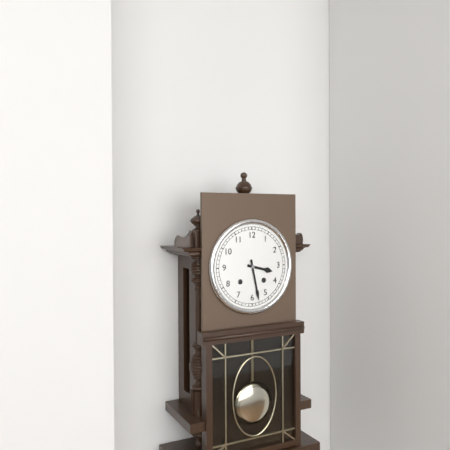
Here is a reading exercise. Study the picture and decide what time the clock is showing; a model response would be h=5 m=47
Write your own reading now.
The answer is h=3 m=28
